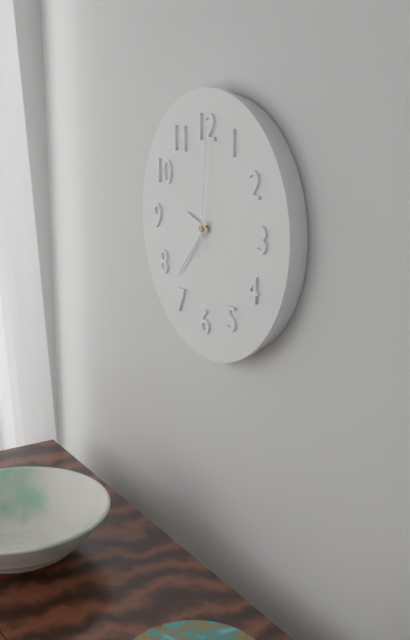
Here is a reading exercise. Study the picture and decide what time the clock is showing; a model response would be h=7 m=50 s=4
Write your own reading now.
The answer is h=9 m=37 s=1
